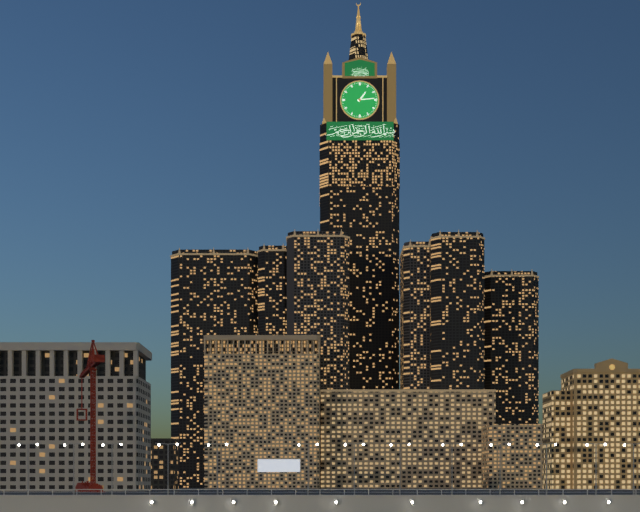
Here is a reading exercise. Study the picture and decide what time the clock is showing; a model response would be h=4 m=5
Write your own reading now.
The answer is h=1 m=14
